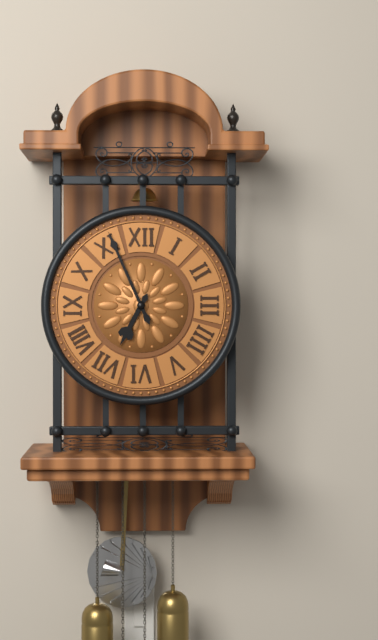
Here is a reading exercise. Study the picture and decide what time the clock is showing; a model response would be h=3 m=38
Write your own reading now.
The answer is h=6 m=56
